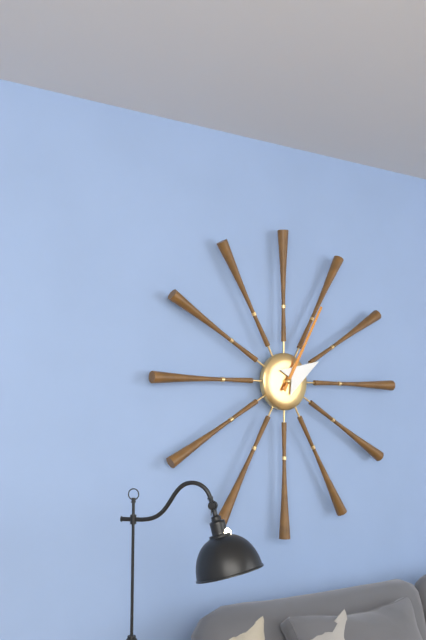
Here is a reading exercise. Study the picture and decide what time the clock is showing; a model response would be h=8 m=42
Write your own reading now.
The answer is h=2 m=5
